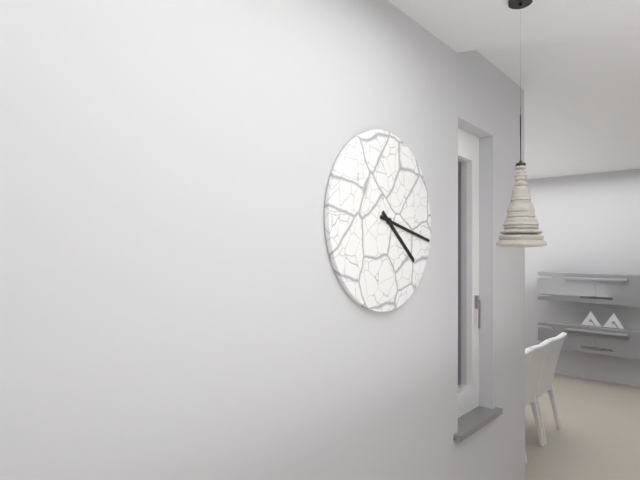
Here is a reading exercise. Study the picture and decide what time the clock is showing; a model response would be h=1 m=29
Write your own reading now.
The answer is h=4 m=17
